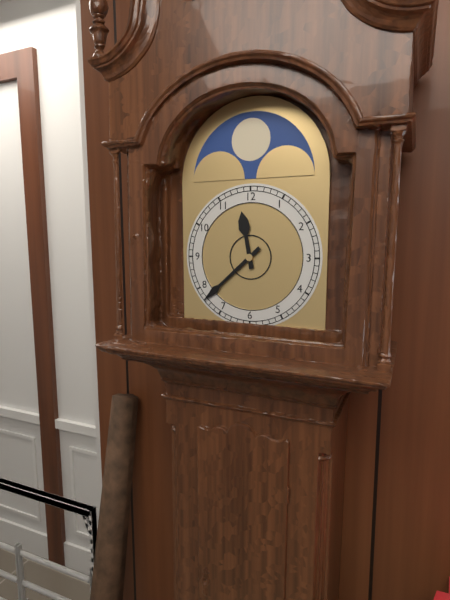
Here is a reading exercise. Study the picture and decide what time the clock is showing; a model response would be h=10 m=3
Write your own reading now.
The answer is h=11 m=38
